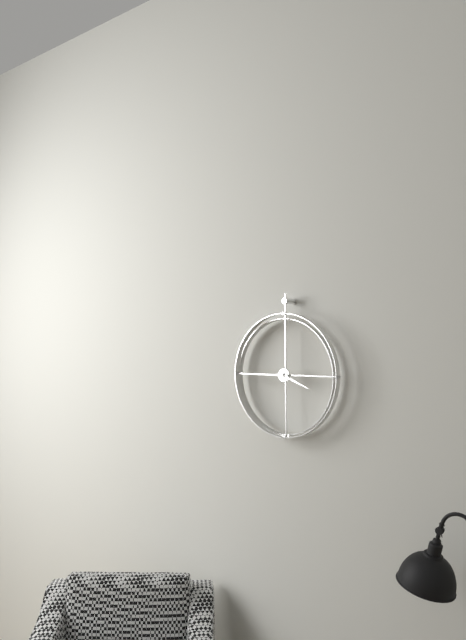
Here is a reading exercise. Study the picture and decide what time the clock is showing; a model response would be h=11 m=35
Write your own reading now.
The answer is h=3 m=45
